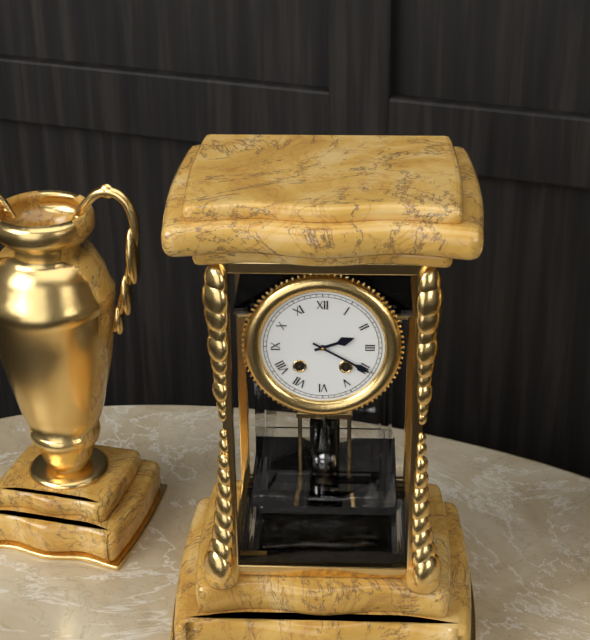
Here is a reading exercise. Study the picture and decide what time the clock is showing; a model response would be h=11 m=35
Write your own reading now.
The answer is h=2 m=20
